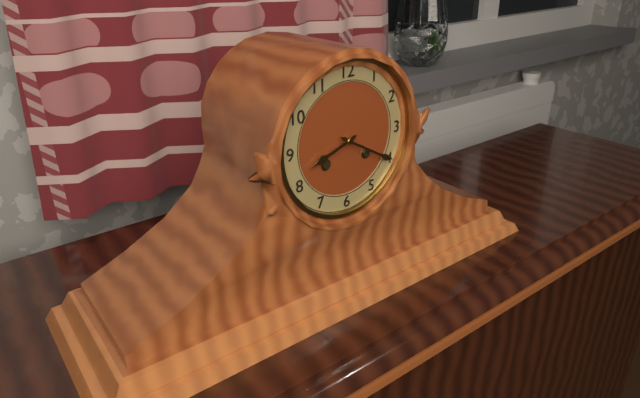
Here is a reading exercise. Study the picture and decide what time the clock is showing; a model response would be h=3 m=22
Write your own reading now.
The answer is h=8 m=20
